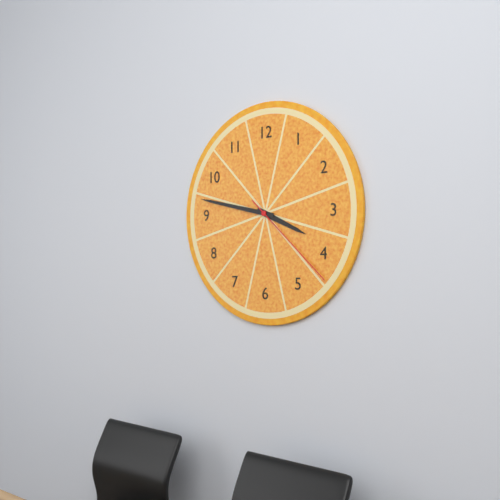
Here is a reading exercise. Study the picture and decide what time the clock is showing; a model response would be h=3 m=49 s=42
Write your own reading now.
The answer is h=3 m=47 s=22
